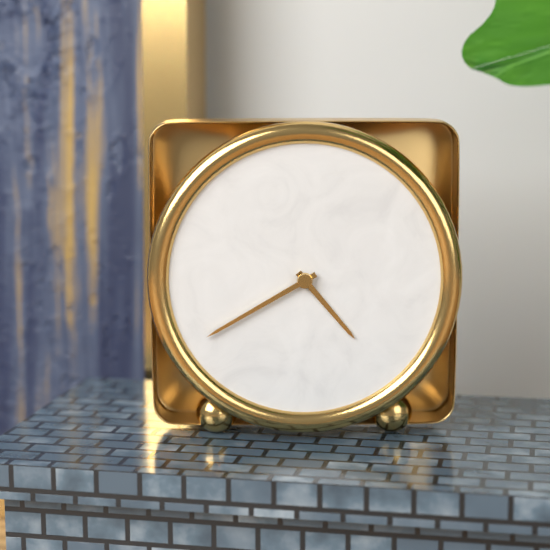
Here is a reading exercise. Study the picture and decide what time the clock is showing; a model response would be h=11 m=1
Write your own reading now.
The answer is h=4 m=40
